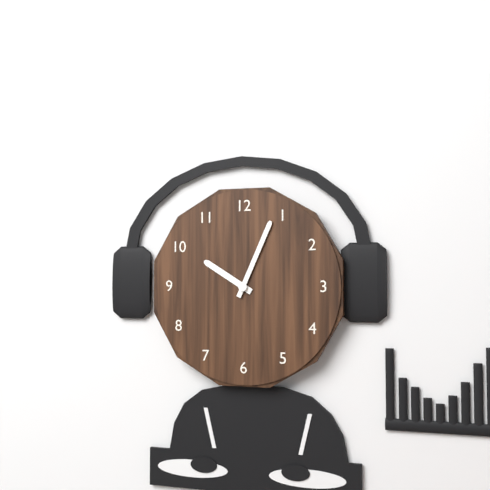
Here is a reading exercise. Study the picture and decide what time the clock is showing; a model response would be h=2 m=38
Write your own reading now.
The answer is h=10 m=4
